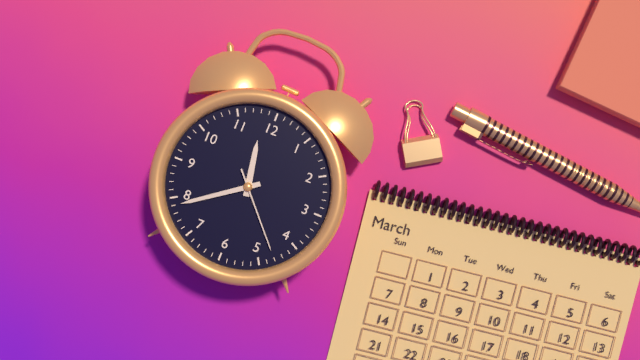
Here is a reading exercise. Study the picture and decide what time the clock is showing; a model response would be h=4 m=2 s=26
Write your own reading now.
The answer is h=11 m=39 s=23
